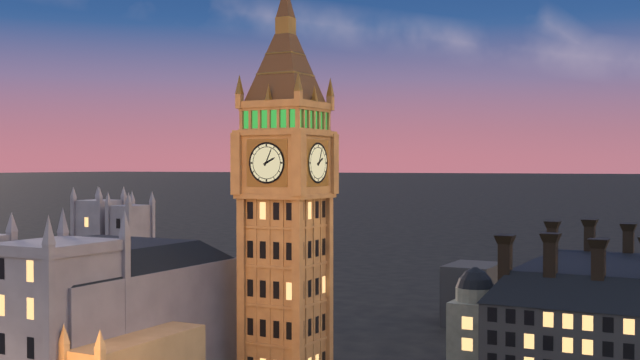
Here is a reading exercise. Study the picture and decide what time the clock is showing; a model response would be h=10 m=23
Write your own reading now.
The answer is h=2 m=4
